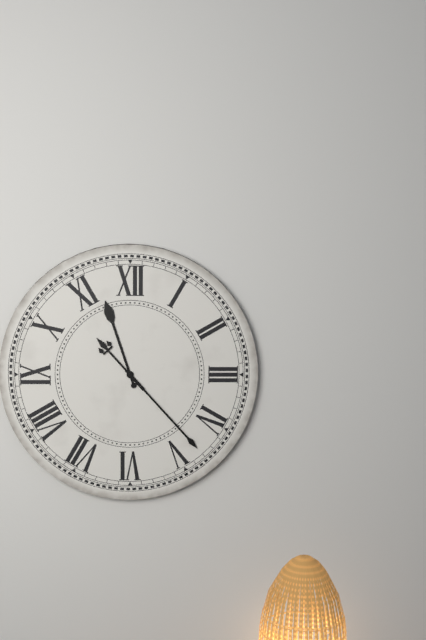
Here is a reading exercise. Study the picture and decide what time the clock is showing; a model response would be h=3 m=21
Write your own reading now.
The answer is h=11 m=23
